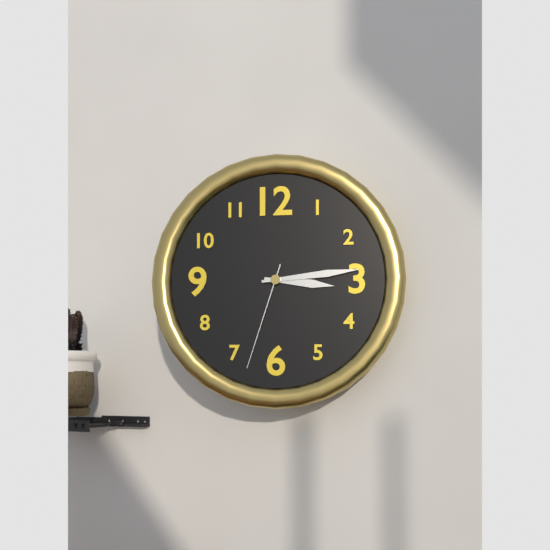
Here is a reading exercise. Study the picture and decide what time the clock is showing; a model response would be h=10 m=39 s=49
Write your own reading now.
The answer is h=3 m=14 s=33
